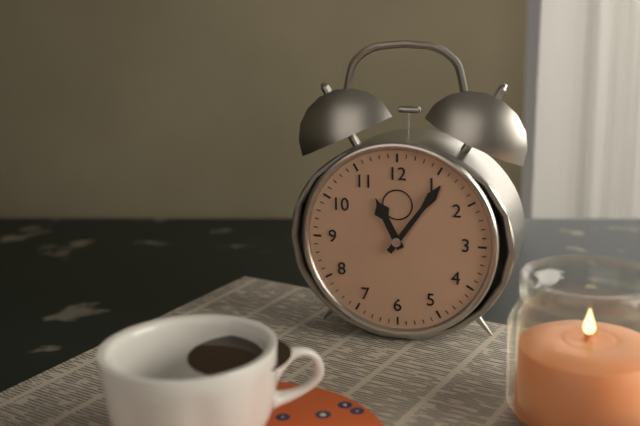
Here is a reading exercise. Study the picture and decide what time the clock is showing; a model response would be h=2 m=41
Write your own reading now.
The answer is h=11 m=6
